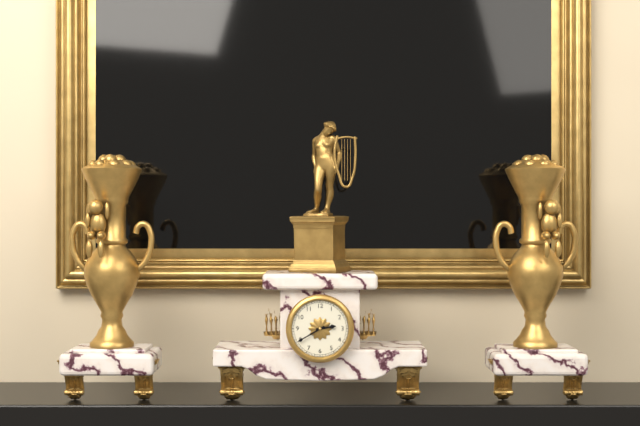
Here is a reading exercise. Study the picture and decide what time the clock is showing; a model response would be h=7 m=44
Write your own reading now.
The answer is h=2 m=40
